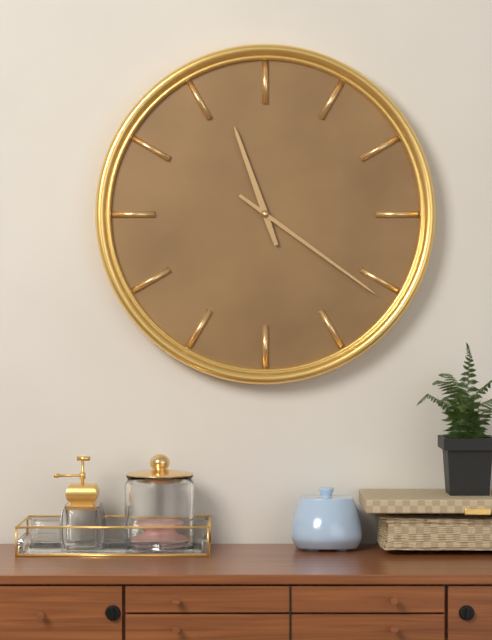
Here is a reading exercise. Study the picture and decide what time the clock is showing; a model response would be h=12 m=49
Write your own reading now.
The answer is h=11 m=21
